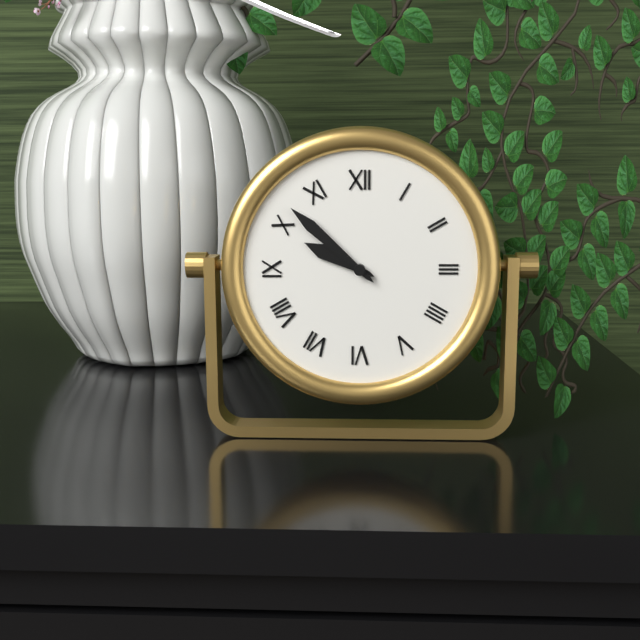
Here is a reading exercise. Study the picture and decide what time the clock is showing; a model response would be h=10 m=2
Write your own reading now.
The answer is h=9 m=52
